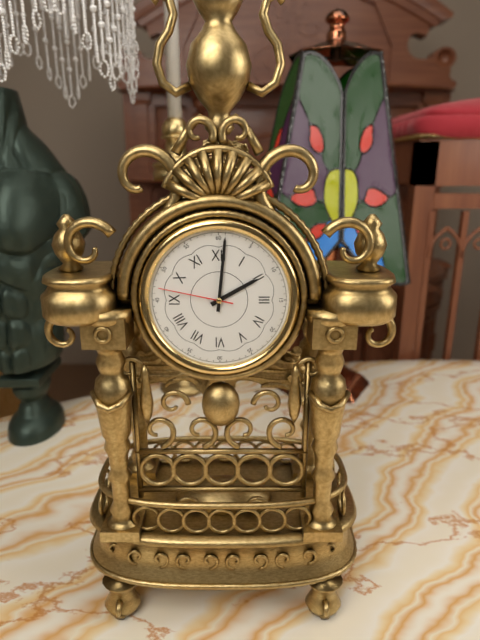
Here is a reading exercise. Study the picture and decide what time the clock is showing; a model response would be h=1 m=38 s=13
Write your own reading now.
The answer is h=2 m=1 s=47
